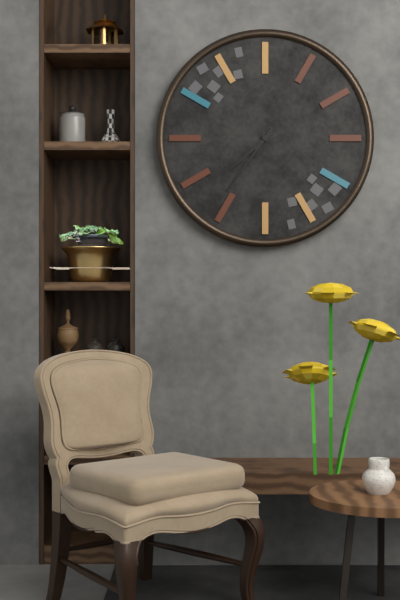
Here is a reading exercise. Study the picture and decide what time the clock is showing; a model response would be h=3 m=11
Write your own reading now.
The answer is h=7 m=36
